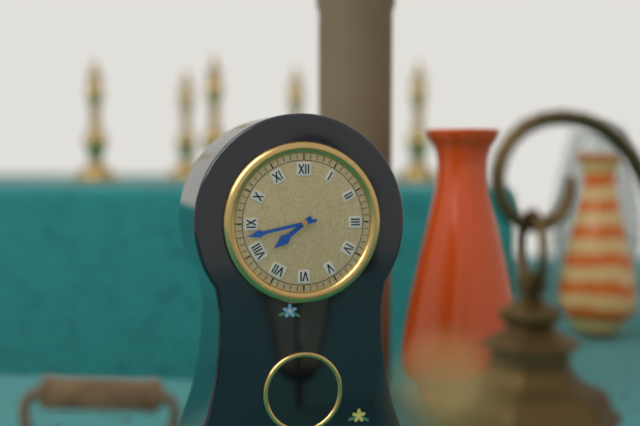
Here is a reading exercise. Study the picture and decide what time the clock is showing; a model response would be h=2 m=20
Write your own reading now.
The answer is h=7 m=43
